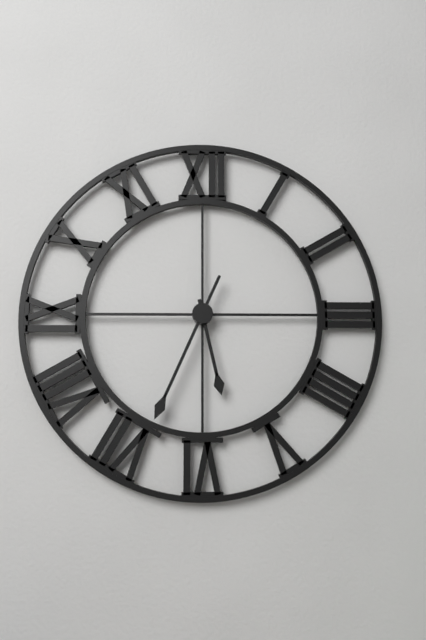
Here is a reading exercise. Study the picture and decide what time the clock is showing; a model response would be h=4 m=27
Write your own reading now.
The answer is h=5 m=34
